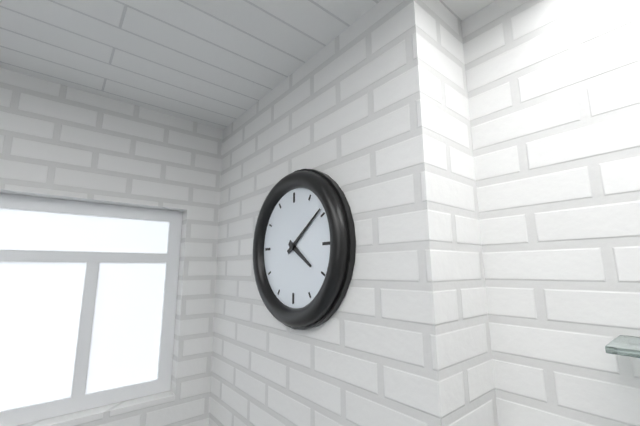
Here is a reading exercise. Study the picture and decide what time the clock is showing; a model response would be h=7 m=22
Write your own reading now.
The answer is h=4 m=9
